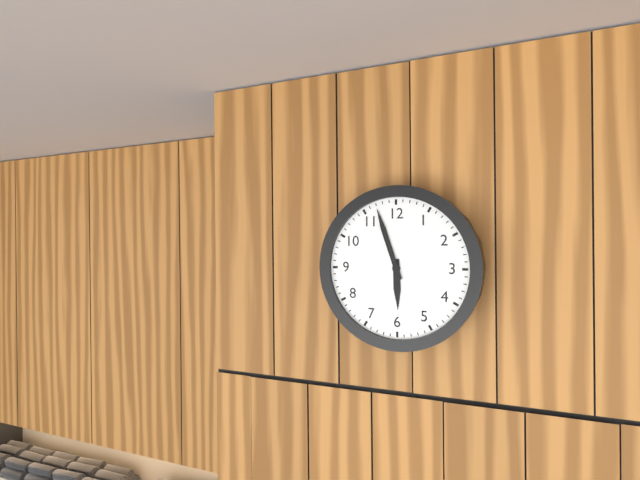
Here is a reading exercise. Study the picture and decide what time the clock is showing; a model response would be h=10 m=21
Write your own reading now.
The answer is h=5 m=57
